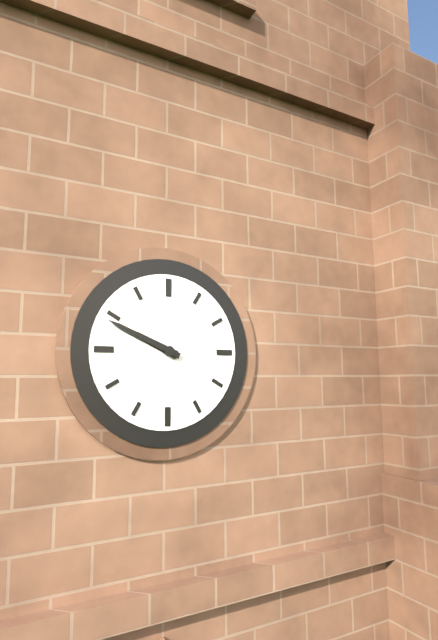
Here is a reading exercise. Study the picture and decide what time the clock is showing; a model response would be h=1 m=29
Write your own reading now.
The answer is h=9 m=49
